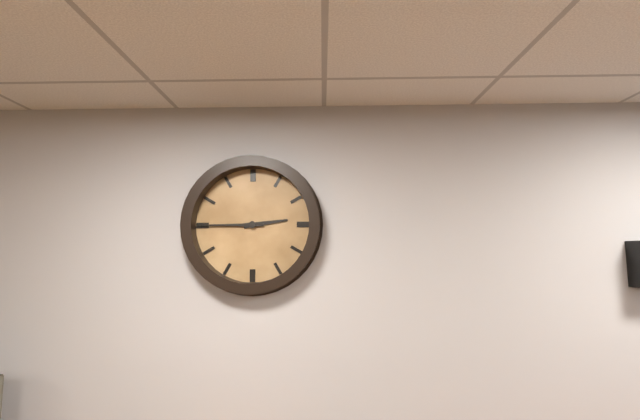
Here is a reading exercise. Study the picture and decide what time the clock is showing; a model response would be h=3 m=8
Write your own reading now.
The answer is h=2 m=45
